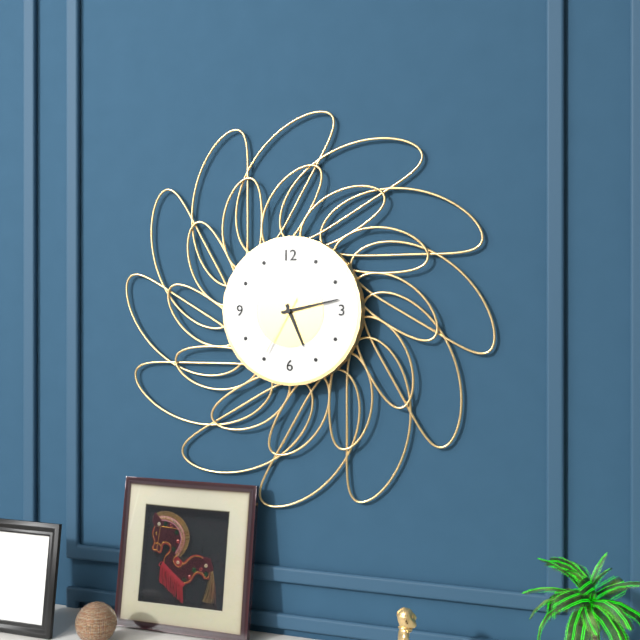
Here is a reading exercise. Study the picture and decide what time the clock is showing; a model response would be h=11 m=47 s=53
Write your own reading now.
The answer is h=5 m=13 s=35
